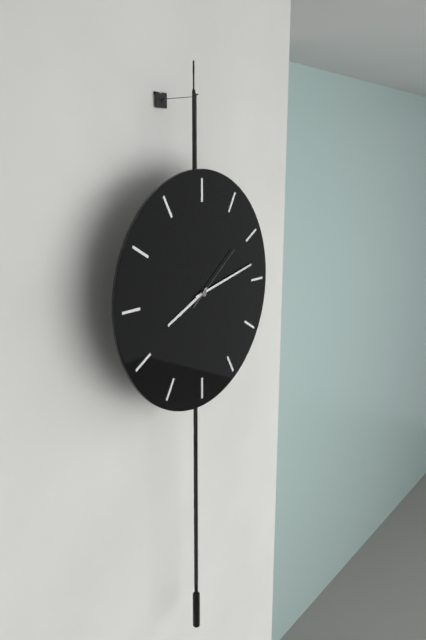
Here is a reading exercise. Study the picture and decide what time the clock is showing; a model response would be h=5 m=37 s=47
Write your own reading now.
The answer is h=8 m=13 s=9
